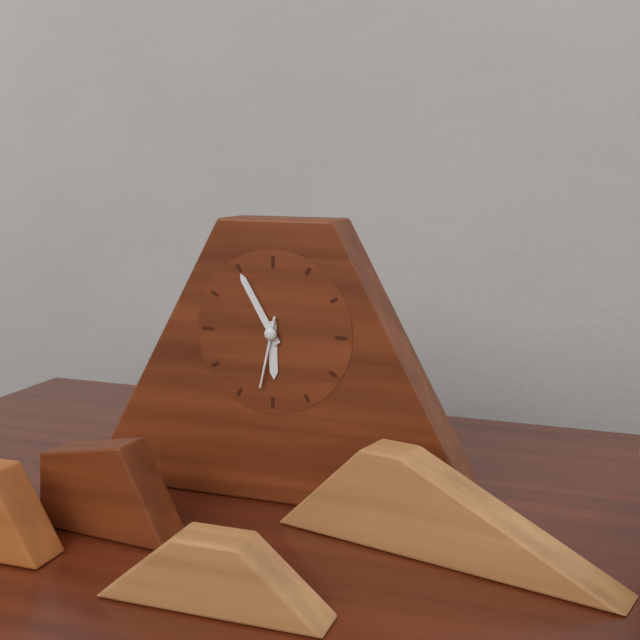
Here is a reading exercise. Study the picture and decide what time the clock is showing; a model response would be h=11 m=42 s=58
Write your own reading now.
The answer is h=5 m=55 s=32
